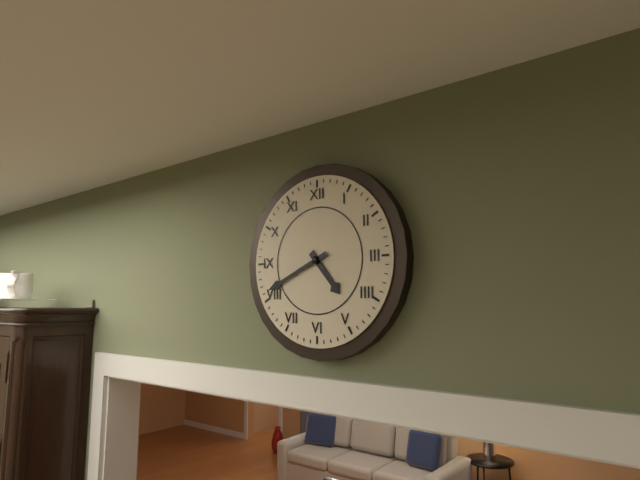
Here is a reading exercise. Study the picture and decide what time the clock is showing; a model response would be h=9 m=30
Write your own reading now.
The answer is h=4 m=41
